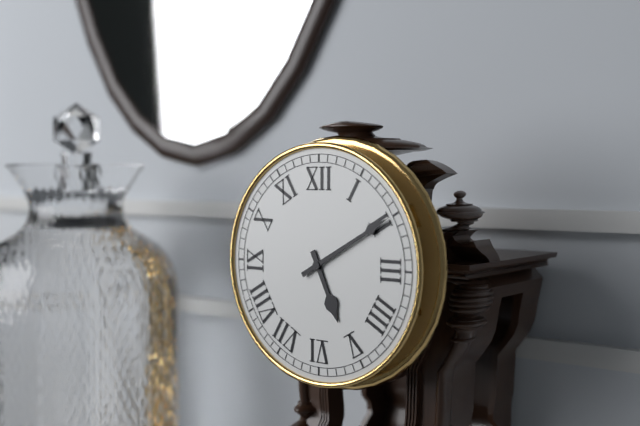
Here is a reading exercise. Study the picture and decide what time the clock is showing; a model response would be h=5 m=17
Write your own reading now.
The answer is h=5 m=10
